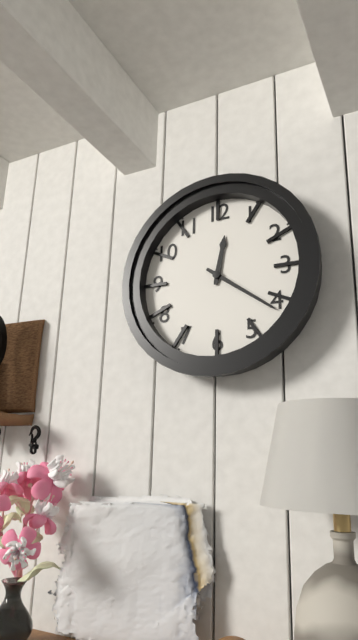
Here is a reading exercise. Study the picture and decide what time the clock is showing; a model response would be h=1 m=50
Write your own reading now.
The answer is h=12 m=21
